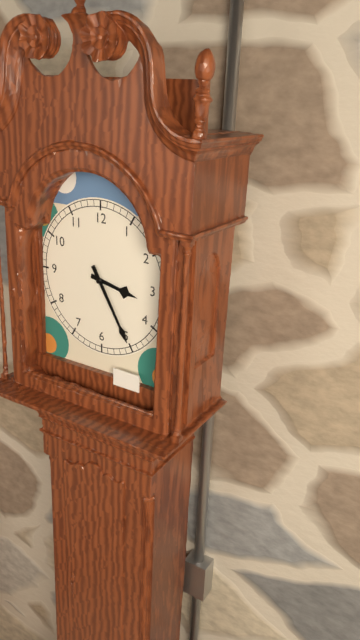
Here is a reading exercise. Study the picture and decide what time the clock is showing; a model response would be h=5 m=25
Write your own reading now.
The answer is h=3 m=25
